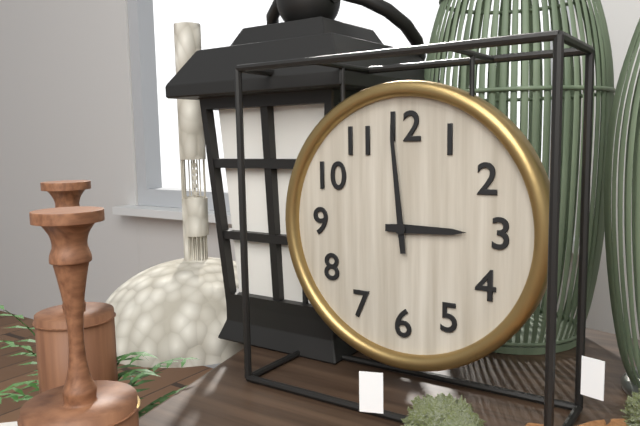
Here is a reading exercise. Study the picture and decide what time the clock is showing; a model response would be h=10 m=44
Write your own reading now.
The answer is h=2 m=59
